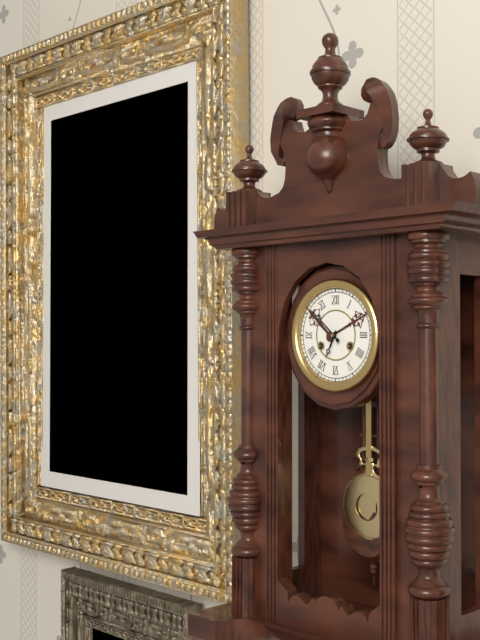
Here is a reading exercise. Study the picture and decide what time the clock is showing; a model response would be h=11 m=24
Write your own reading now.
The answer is h=6 m=52
